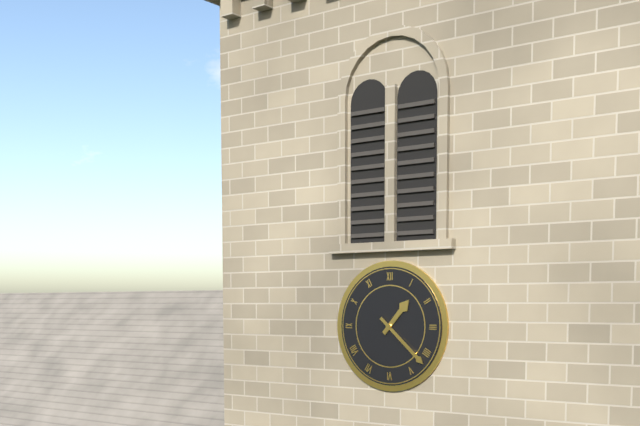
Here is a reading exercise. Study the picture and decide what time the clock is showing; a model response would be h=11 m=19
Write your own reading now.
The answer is h=1 m=22
